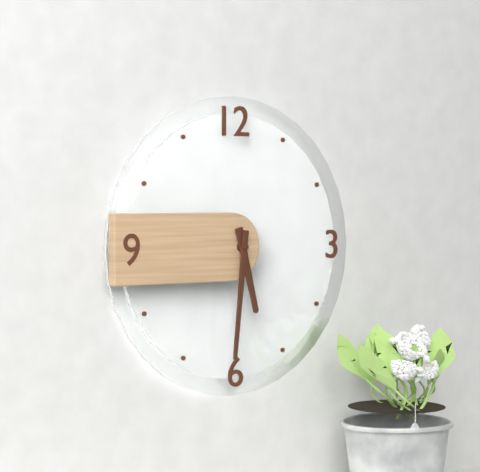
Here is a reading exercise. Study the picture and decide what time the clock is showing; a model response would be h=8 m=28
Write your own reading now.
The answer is h=5 m=31
